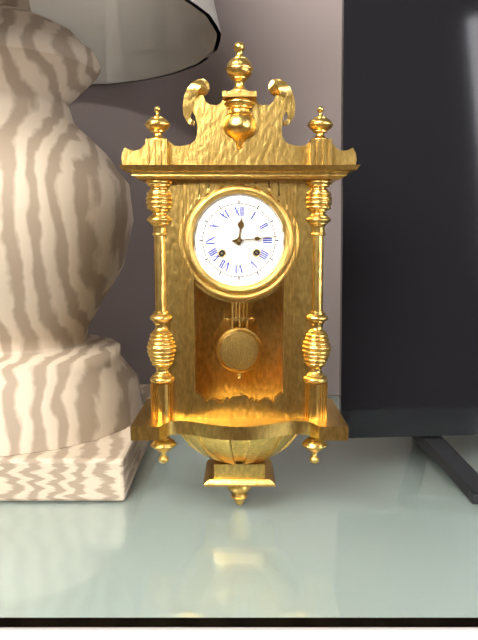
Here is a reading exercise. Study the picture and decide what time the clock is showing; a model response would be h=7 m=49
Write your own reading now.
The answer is h=12 m=14
